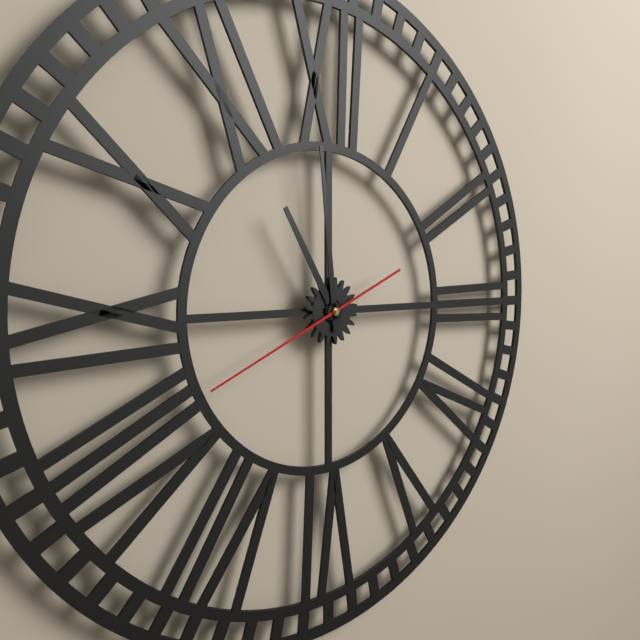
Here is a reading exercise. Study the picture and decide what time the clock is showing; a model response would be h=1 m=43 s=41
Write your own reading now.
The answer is h=10 m=59 s=41
